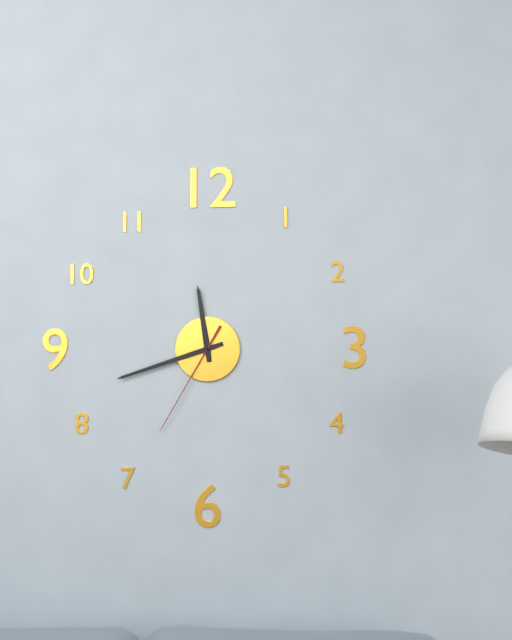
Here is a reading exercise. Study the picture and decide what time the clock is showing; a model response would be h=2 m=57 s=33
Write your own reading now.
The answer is h=11 m=42 s=35
